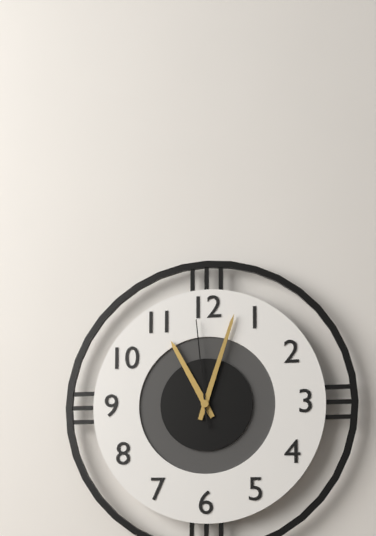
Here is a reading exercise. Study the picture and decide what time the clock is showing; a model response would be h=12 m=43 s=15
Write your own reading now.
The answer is h=11 m=3 s=59
